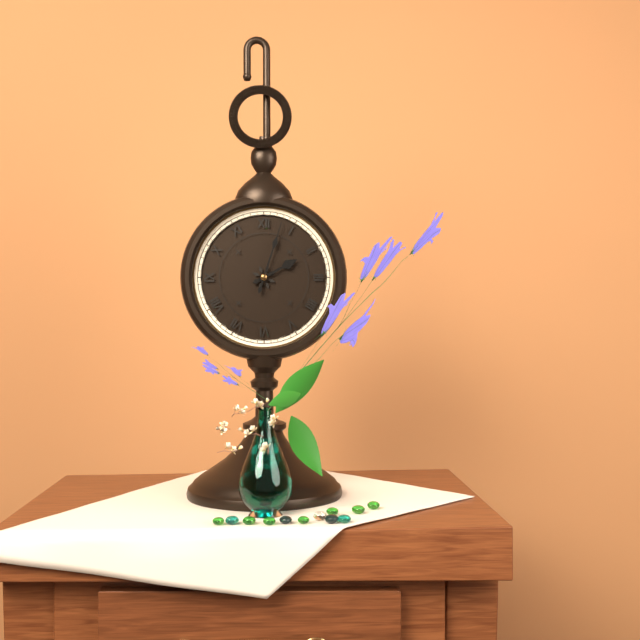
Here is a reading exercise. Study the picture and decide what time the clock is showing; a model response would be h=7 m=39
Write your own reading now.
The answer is h=2 m=3
